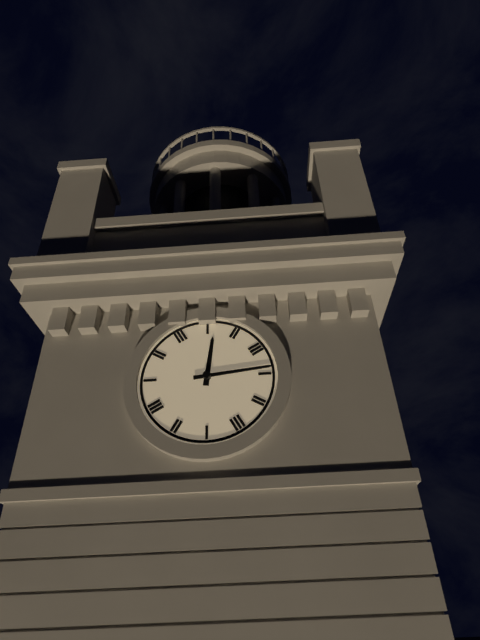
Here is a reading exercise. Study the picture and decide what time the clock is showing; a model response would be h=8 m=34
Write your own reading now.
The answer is h=12 m=14
